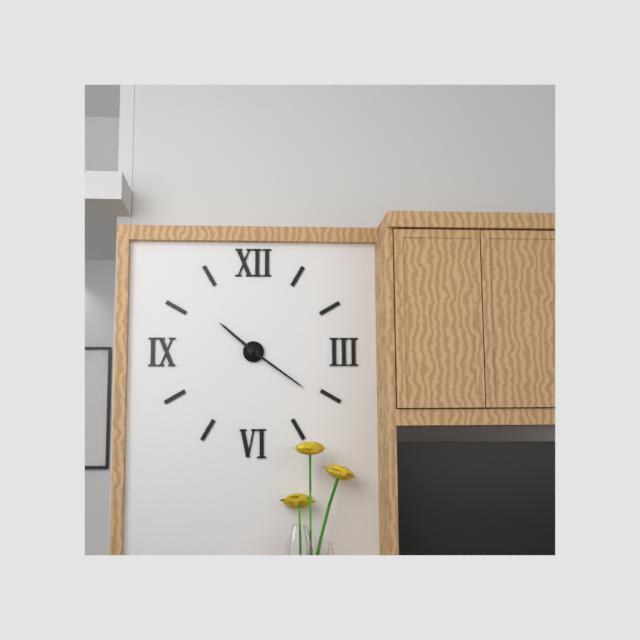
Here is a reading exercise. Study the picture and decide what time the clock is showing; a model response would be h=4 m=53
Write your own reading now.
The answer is h=10 m=21
